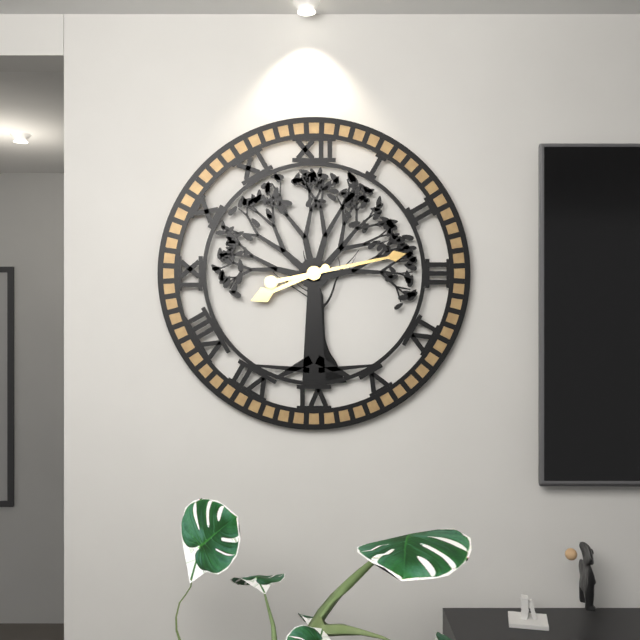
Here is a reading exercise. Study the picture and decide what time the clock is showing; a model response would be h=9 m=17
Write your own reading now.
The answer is h=8 m=13
